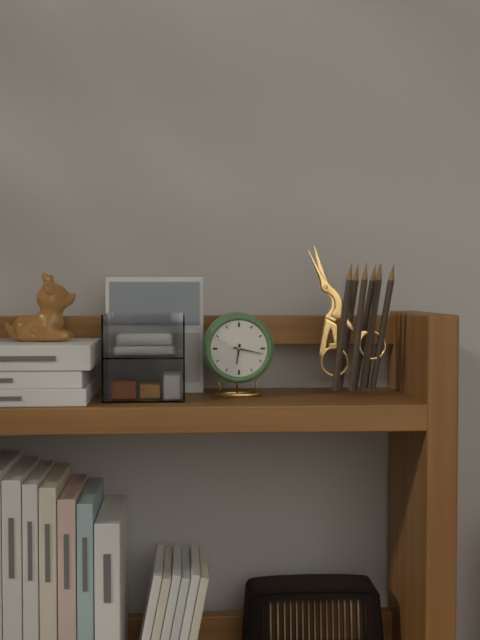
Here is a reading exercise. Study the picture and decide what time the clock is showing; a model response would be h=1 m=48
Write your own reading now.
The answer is h=6 m=17
